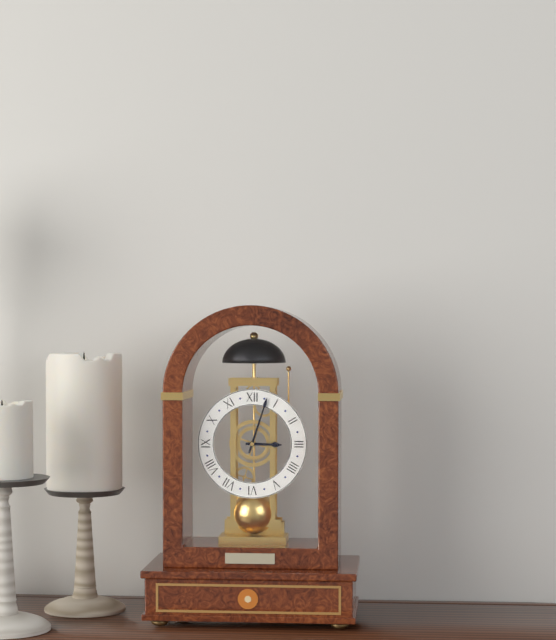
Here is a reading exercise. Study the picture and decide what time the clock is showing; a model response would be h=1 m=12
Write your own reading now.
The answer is h=3 m=3
